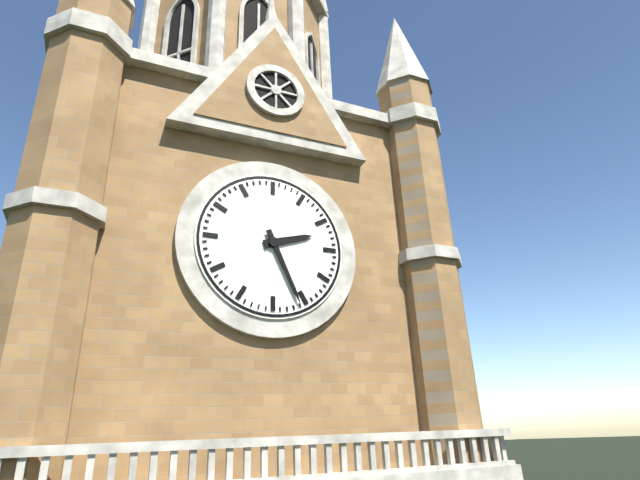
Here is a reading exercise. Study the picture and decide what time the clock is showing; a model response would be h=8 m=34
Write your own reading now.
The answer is h=2 m=26
